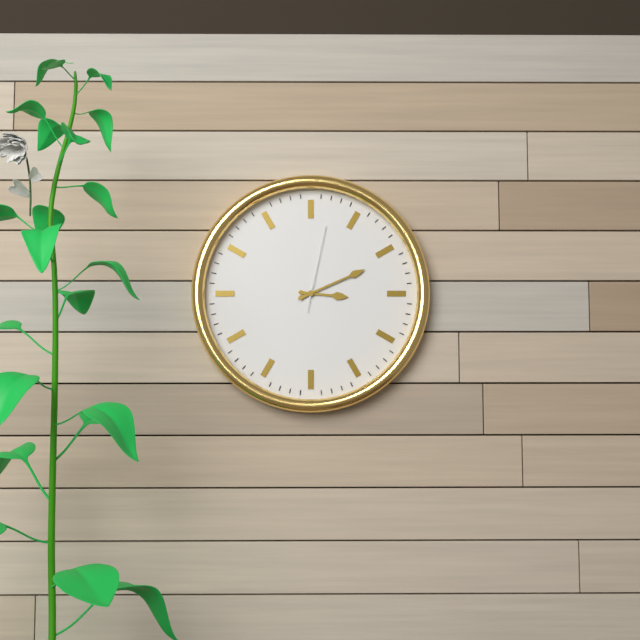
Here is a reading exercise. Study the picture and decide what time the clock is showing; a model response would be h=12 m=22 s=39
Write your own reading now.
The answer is h=3 m=11 s=2
